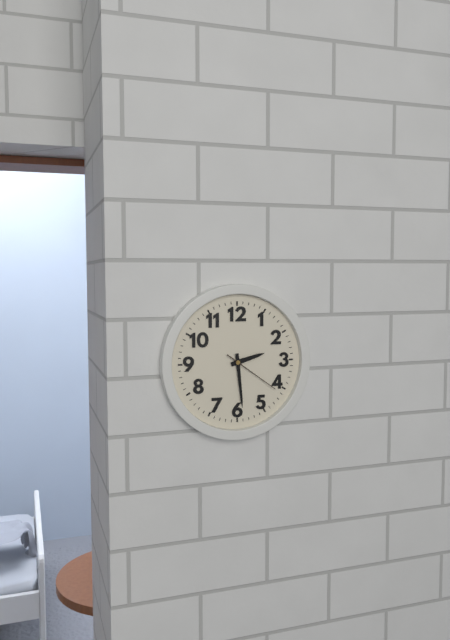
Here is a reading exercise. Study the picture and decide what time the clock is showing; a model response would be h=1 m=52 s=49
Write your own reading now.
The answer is h=2 m=29 s=21
